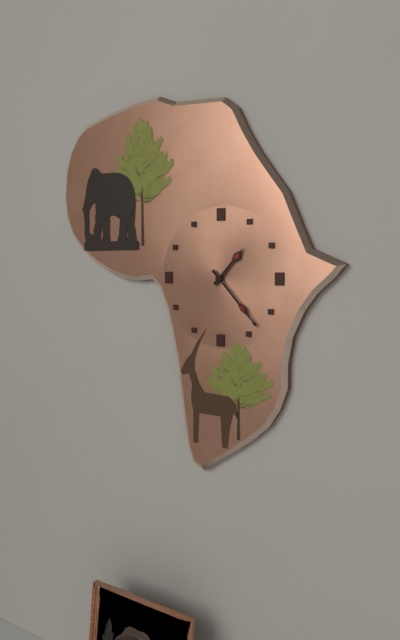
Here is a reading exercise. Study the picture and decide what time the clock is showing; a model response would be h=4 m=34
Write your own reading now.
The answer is h=1 m=23
